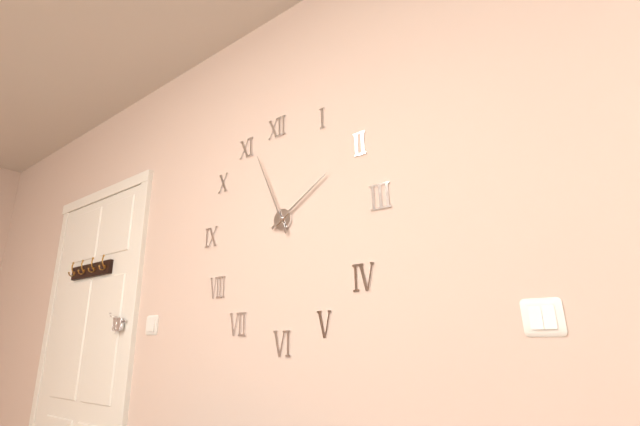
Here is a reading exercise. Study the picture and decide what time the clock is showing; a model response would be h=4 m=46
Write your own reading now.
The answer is h=1 m=56
